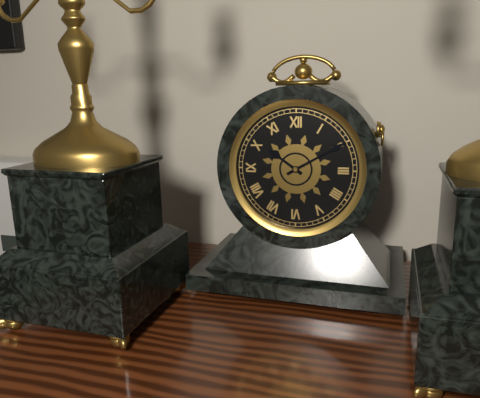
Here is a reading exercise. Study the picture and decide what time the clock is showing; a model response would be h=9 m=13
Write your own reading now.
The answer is h=10 m=10
